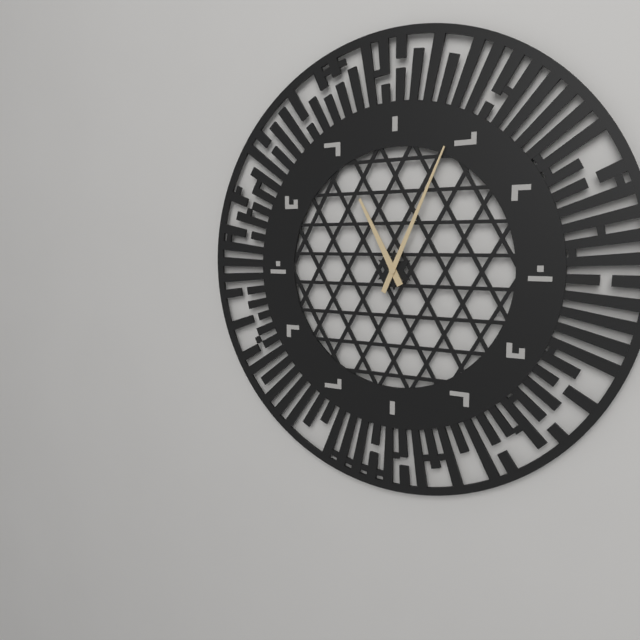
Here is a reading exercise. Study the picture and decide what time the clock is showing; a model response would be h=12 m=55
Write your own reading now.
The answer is h=11 m=4
